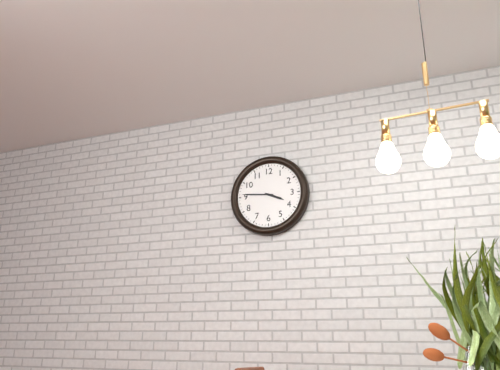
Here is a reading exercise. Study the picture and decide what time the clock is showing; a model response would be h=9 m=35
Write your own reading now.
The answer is h=3 m=46
